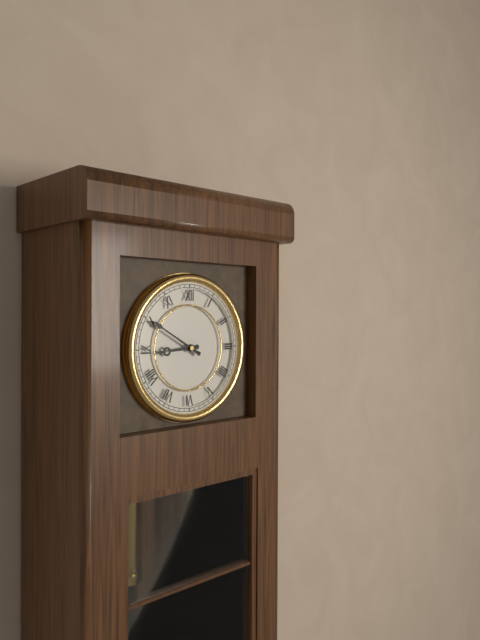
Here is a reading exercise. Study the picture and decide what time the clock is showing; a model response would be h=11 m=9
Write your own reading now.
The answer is h=8 m=50
